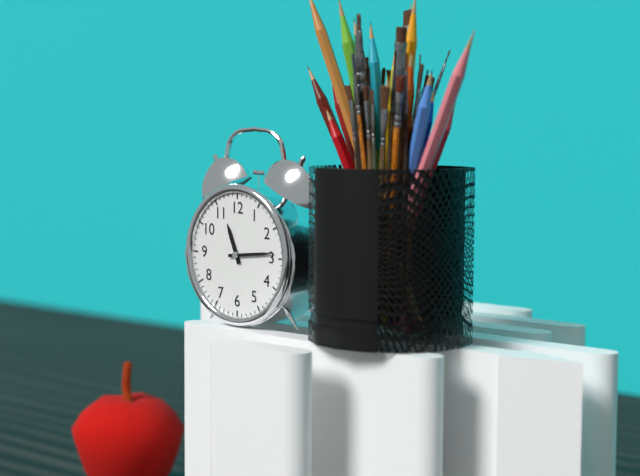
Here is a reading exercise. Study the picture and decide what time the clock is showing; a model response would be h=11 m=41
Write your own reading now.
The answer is h=11 m=14
